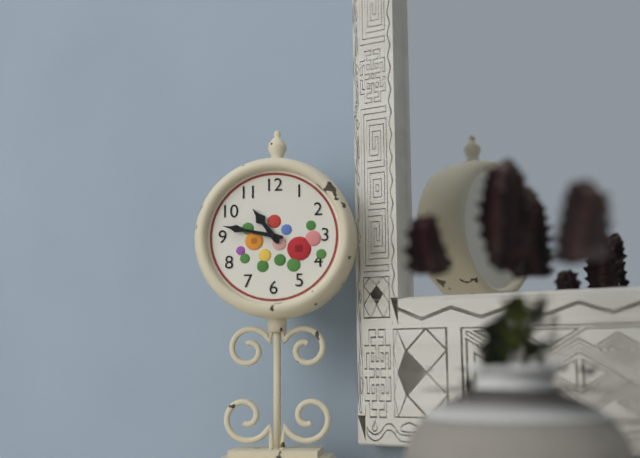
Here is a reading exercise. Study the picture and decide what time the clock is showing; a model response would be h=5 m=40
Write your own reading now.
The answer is h=10 m=47
